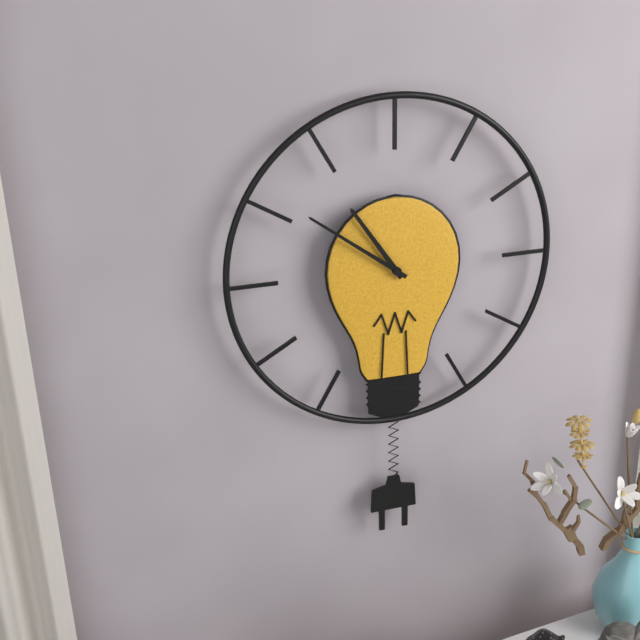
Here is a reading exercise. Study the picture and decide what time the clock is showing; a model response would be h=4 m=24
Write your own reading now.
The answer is h=10 m=51
